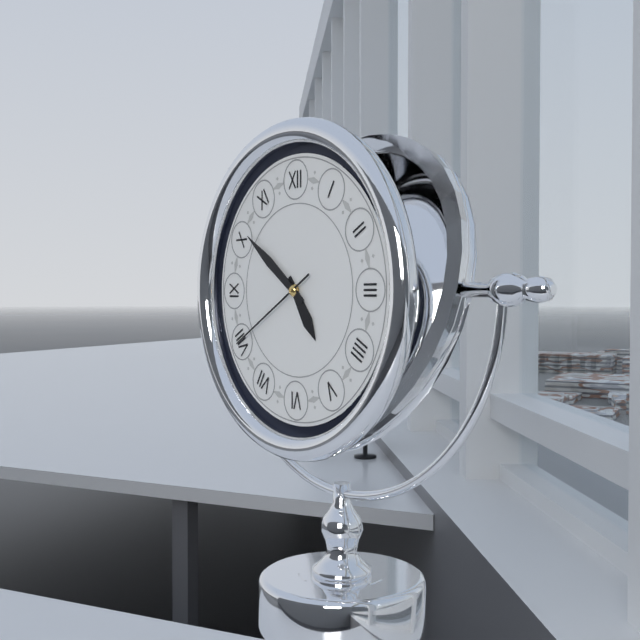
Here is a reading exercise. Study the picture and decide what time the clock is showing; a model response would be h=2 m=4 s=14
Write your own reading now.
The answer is h=4 m=51 s=40
